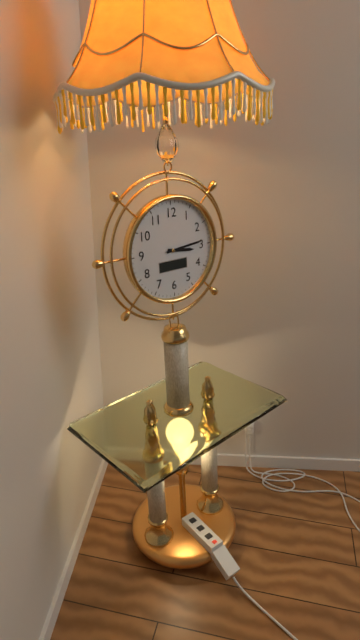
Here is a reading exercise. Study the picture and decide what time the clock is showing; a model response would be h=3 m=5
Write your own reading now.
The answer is h=3 m=14
